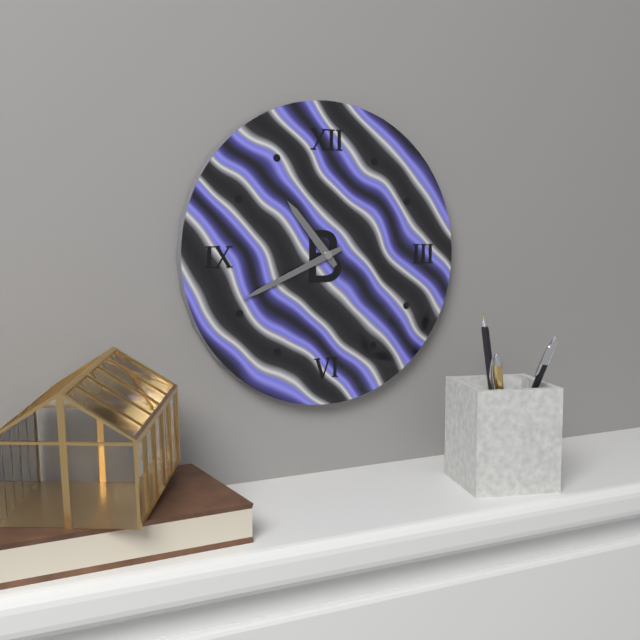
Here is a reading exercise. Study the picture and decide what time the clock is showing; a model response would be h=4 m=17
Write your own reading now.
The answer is h=10 m=41
